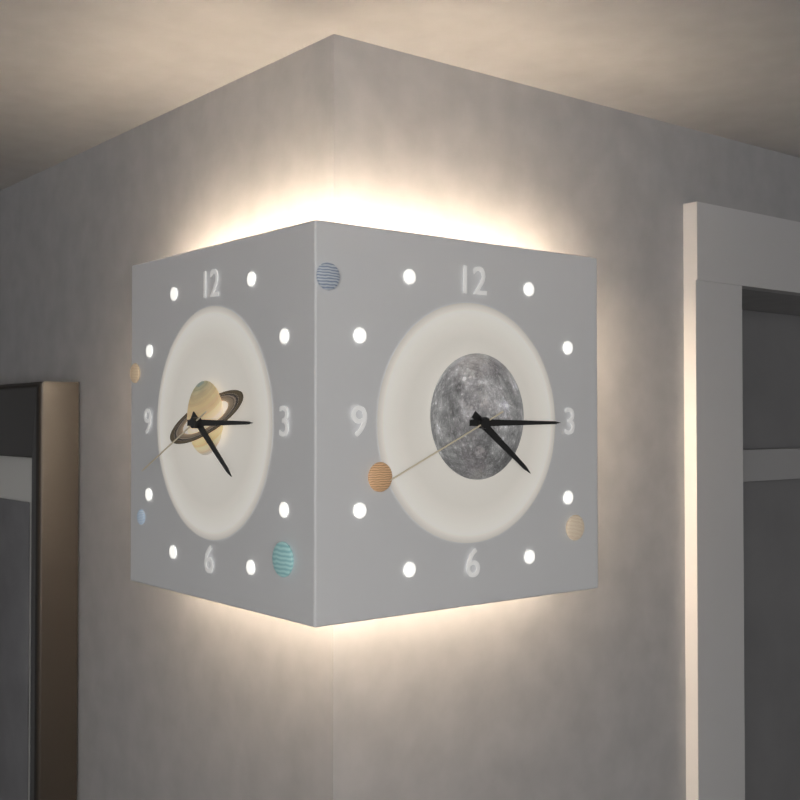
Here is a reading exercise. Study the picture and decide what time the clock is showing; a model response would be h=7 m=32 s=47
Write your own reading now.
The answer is h=4 m=15 s=41
